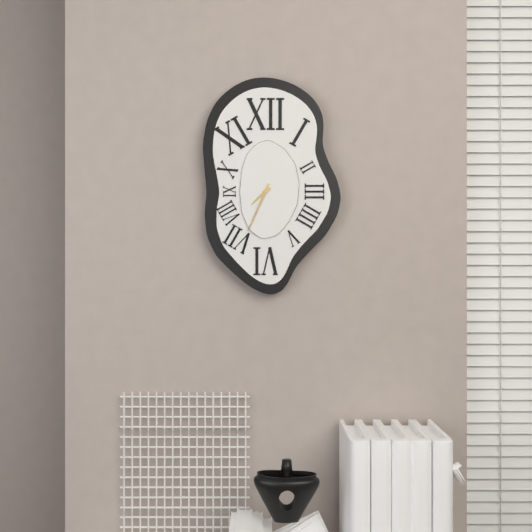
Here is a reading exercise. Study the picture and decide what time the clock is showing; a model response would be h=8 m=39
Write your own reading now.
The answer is h=7 m=34
